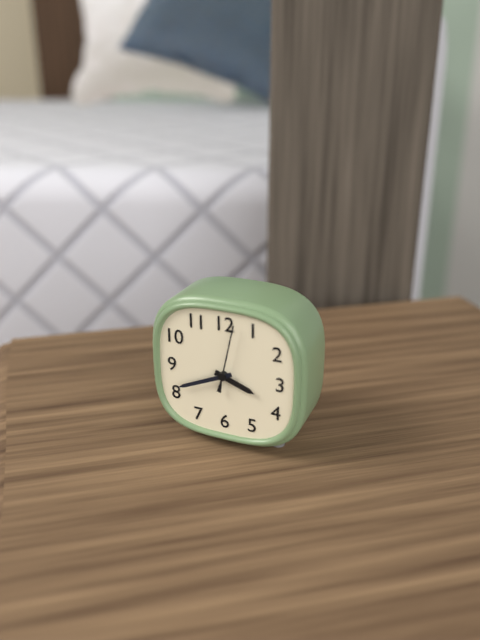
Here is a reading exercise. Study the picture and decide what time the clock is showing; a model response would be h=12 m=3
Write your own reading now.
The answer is h=3 m=41
